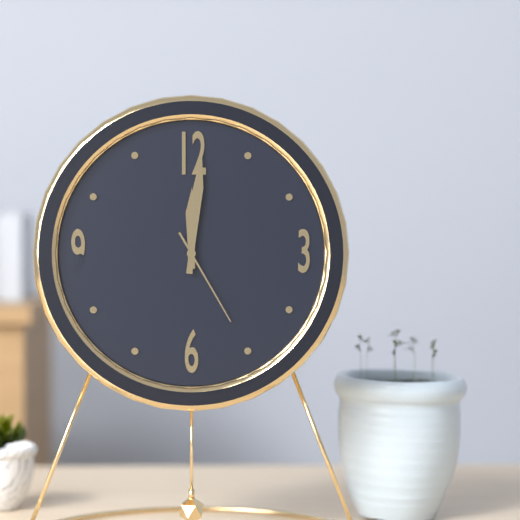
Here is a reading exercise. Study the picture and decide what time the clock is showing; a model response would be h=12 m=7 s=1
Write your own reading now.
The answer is h=12 m=1 s=25
